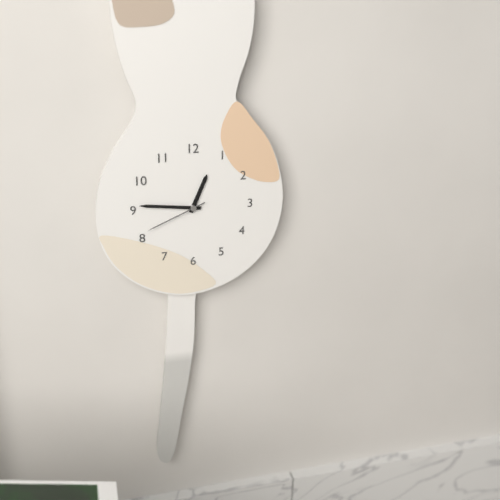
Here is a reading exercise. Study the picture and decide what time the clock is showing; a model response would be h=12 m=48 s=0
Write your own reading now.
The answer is h=12 m=46 s=41
